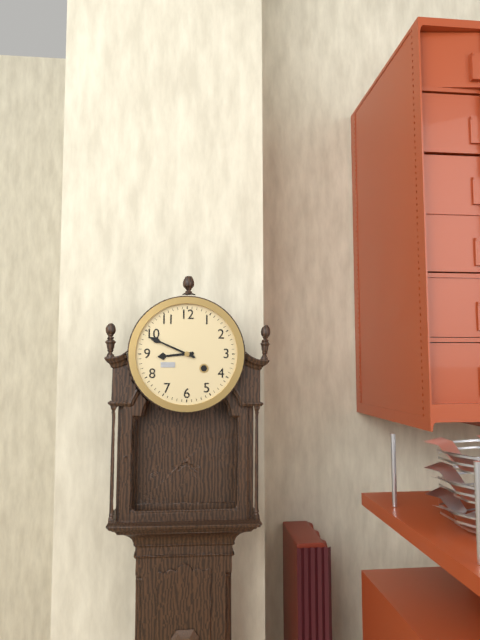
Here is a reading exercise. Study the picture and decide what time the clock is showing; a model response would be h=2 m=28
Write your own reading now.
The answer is h=8 m=49
